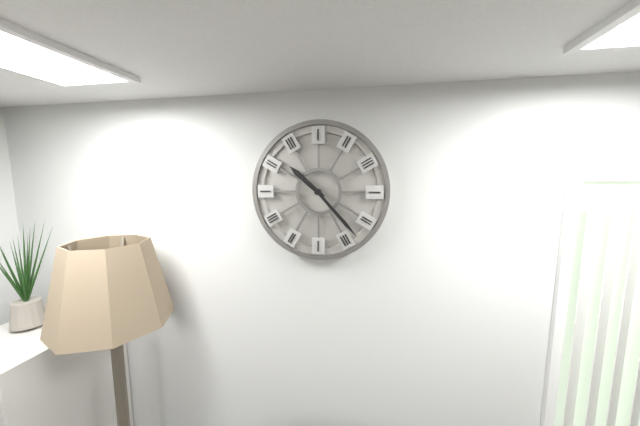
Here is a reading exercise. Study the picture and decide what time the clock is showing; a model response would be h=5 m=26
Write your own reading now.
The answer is h=10 m=23
